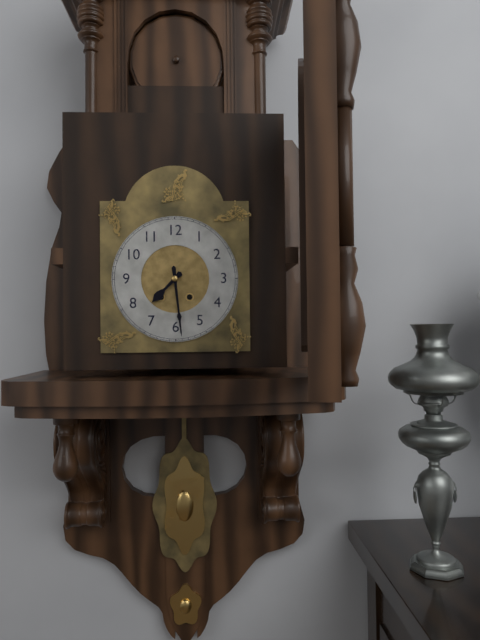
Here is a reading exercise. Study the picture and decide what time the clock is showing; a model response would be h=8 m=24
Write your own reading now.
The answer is h=7 m=29
